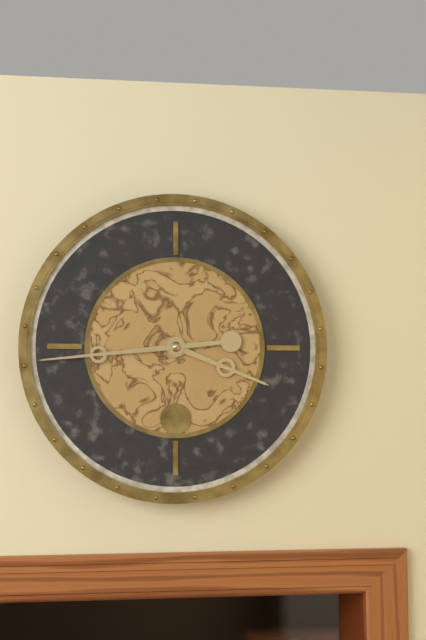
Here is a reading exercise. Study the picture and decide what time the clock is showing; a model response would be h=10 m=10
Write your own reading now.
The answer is h=3 m=44
